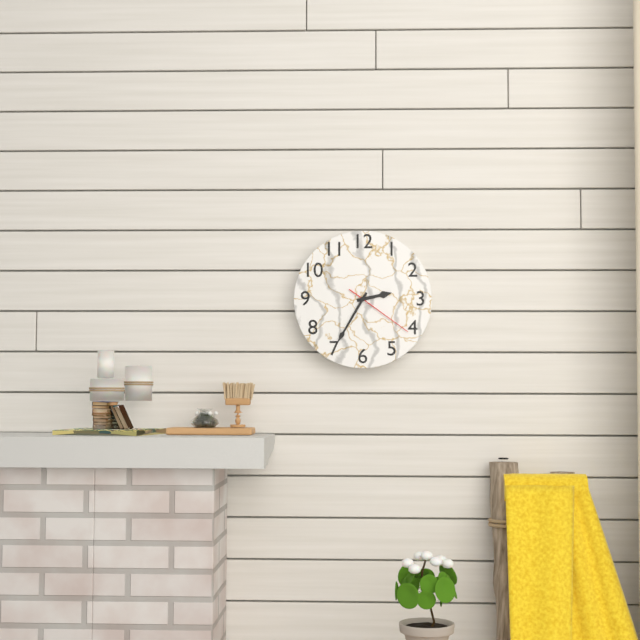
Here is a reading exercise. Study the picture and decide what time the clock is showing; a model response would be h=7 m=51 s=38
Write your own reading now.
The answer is h=2 m=35 s=21
